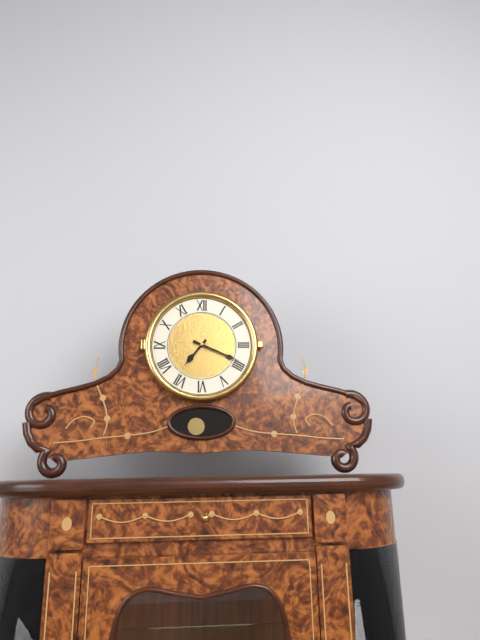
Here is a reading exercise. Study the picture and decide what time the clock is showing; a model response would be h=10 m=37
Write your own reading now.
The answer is h=7 m=19
